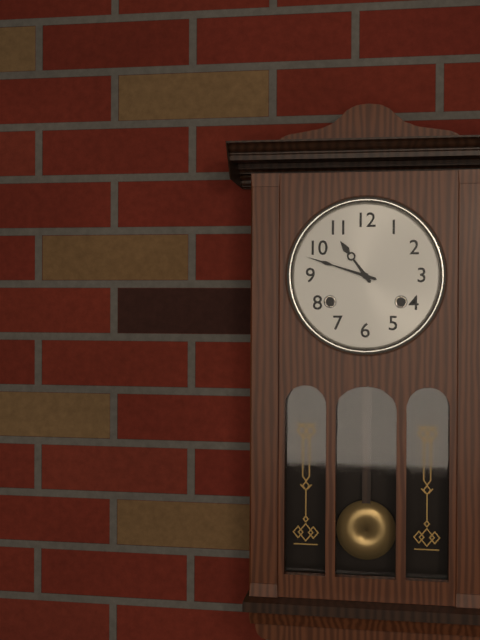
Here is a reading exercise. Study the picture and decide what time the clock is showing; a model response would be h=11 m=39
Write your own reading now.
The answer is h=10 m=48
